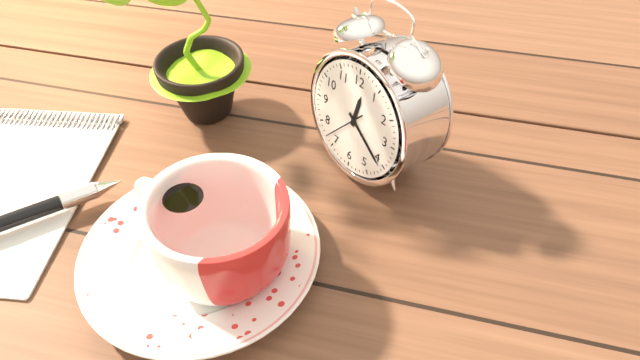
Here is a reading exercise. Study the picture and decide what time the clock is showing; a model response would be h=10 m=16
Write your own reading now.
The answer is h=12 m=21
